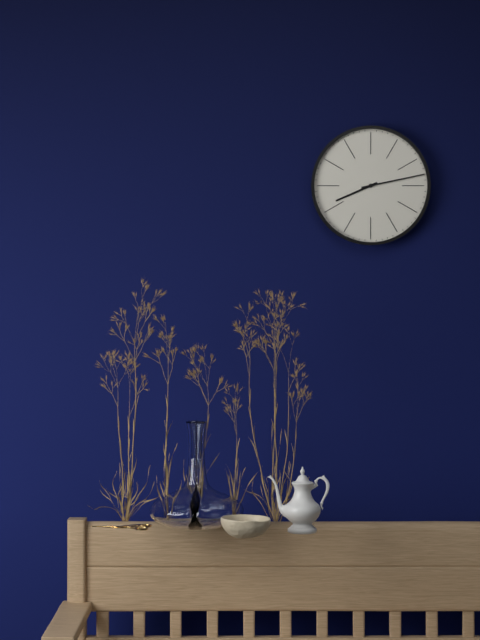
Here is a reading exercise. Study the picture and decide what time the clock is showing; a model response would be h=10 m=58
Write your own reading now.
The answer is h=8 m=13
